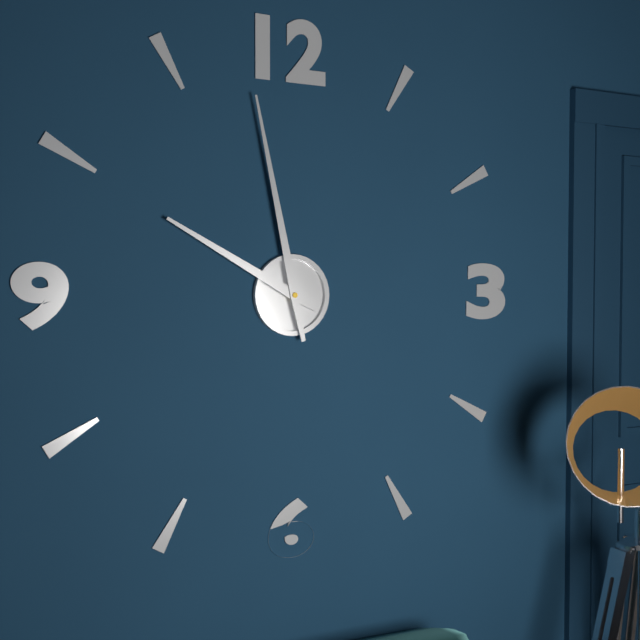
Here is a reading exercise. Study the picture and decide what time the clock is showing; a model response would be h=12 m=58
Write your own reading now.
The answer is h=9 m=58
